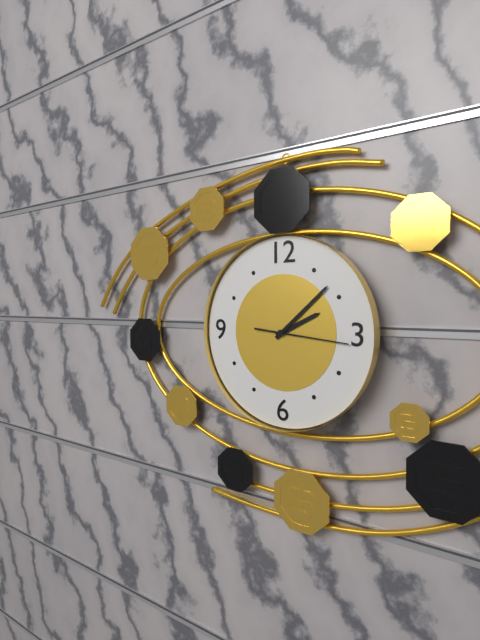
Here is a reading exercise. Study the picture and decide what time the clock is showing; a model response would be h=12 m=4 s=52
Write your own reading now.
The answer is h=2 m=8 s=16
